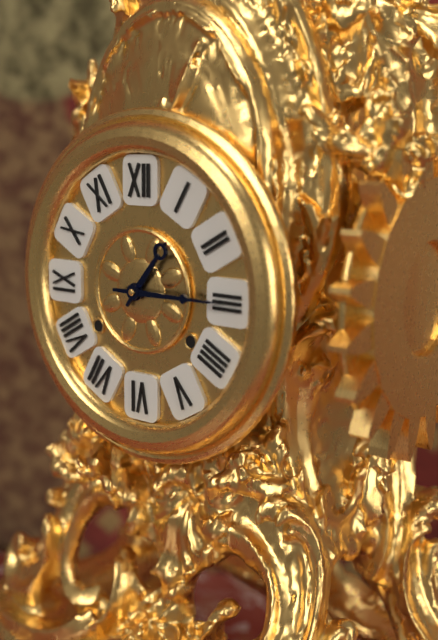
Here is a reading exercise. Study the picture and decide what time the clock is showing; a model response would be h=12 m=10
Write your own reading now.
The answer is h=1 m=15
